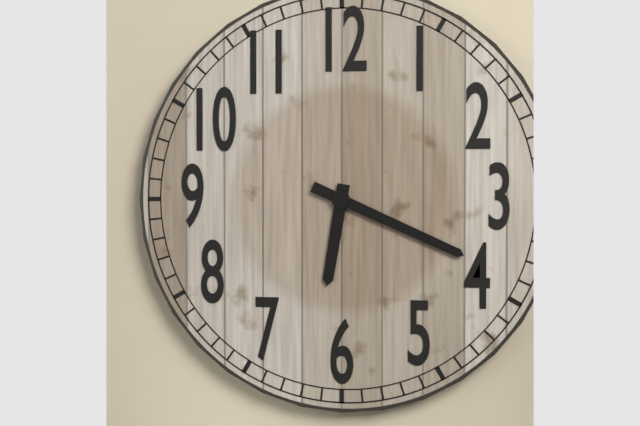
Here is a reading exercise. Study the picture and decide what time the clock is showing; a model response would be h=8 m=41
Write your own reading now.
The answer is h=6 m=19
